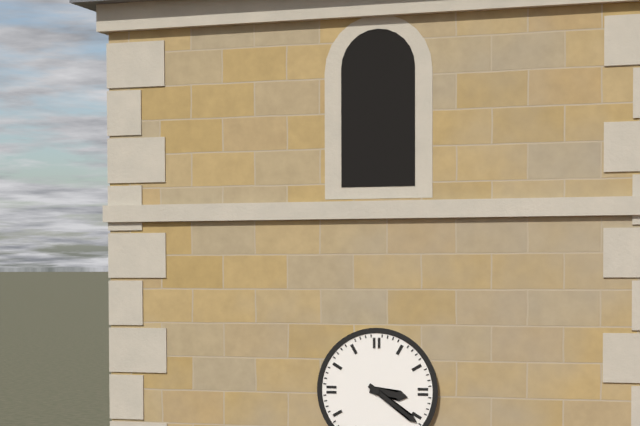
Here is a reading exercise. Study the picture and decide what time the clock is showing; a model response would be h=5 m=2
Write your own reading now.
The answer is h=3 m=21
